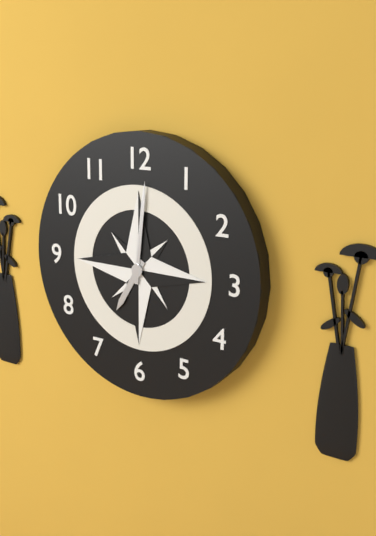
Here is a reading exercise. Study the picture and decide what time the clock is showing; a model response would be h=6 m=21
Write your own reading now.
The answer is h=7 m=1
